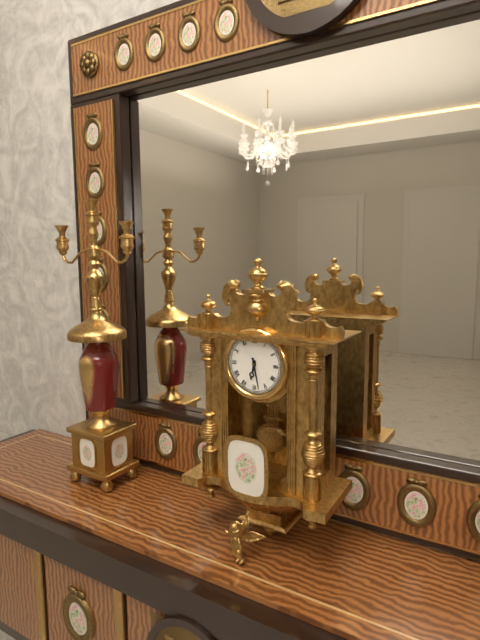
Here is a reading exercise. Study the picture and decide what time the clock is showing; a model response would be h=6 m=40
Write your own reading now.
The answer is h=6 m=28
